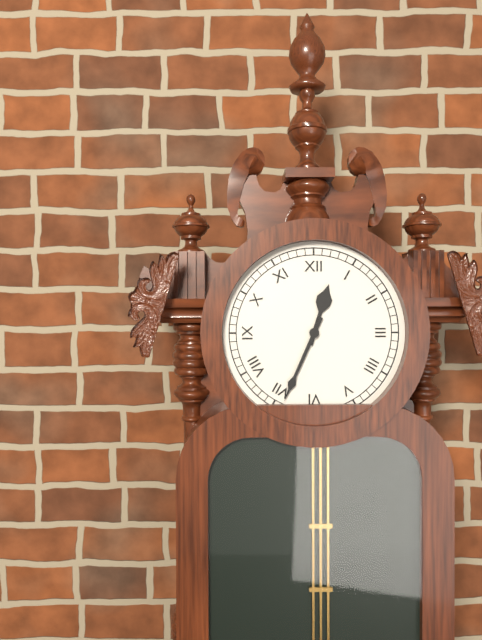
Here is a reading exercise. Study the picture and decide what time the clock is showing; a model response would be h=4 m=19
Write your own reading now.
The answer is h=12 m=34
